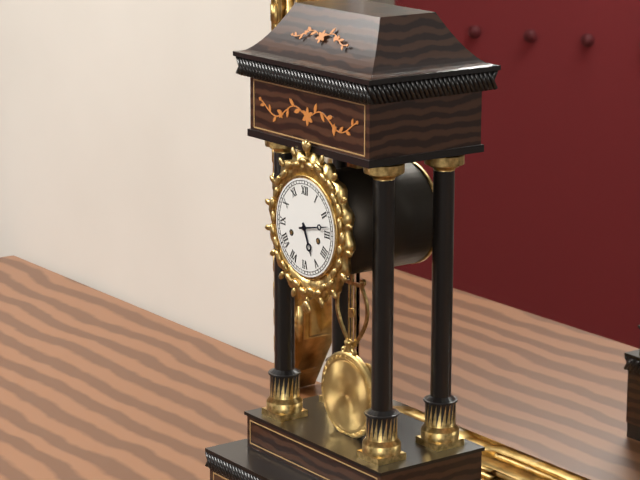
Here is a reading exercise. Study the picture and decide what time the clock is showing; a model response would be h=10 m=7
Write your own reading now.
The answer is h=5 m=13
